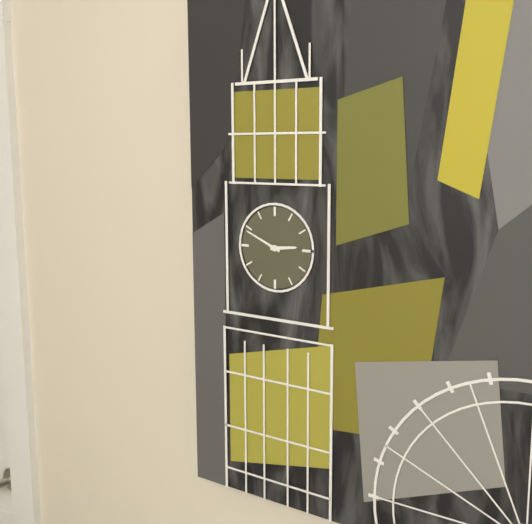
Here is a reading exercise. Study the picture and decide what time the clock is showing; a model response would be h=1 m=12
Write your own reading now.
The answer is h=2 m=49
